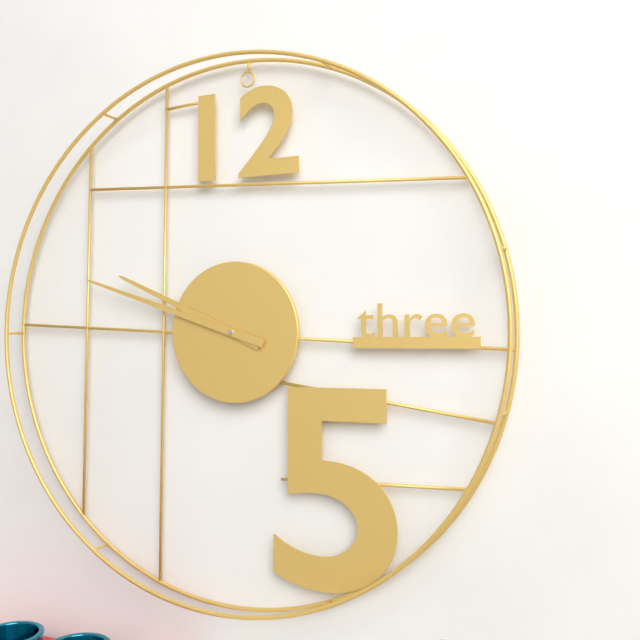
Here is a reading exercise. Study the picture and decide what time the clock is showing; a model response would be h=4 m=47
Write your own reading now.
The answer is h=9 m=48
